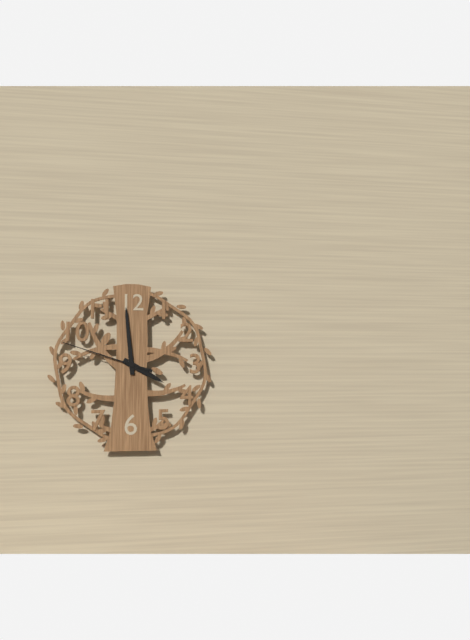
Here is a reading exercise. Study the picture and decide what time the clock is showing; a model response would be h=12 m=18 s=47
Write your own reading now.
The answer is h=3 m=59 s=48
